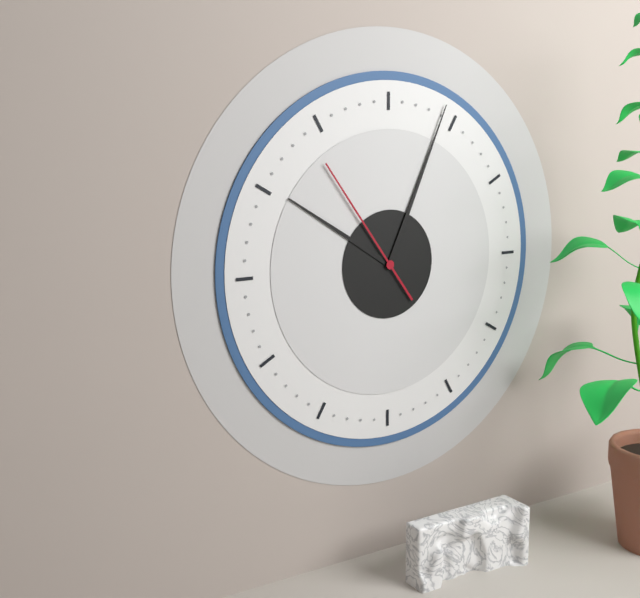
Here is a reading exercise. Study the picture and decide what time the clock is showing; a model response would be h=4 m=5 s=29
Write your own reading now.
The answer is h=10 m=4 s=54
